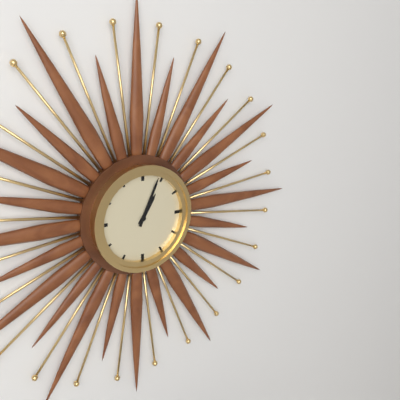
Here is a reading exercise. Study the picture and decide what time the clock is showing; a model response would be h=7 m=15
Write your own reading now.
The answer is h=1 m=4
